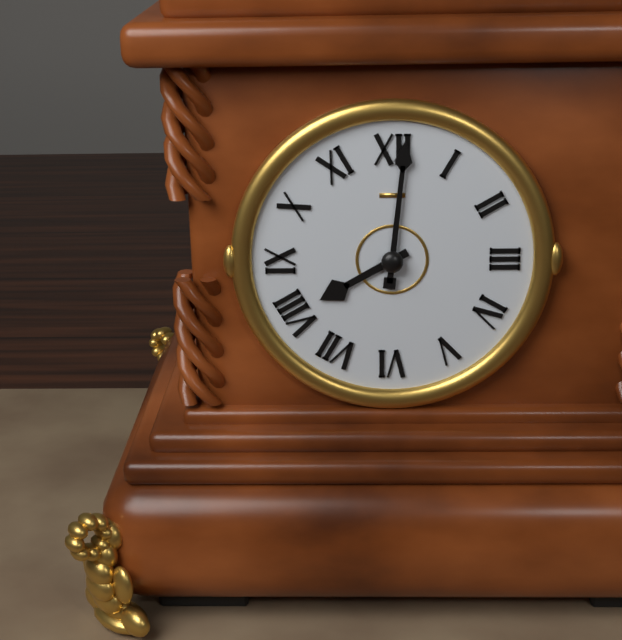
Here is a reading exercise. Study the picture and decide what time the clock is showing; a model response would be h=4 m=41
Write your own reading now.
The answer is h=8 m=1
